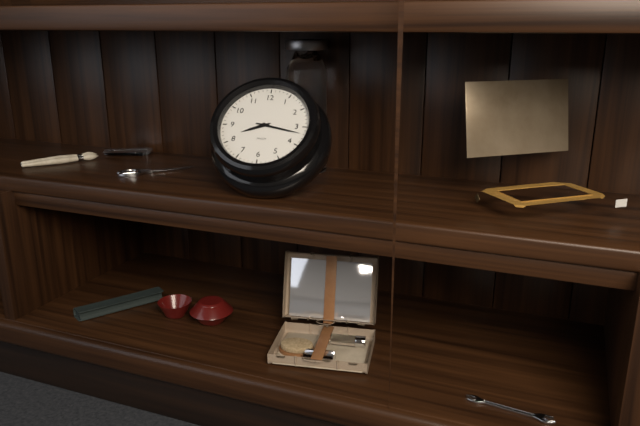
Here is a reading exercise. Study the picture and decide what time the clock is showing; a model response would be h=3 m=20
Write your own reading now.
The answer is h=8 m=17
